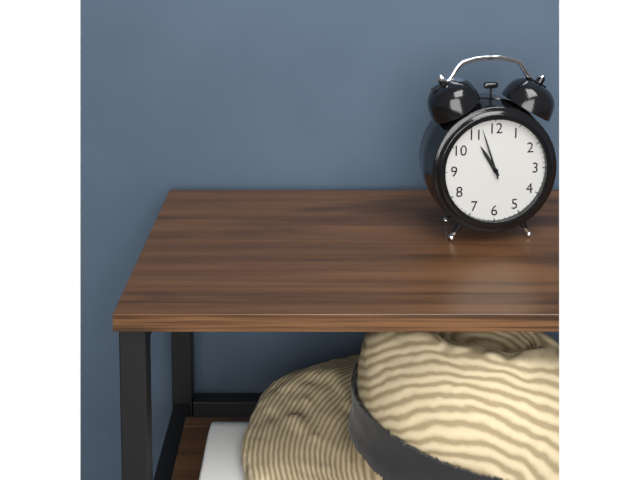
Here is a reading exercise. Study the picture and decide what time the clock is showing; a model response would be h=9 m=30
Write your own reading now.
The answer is h=10 m=57
